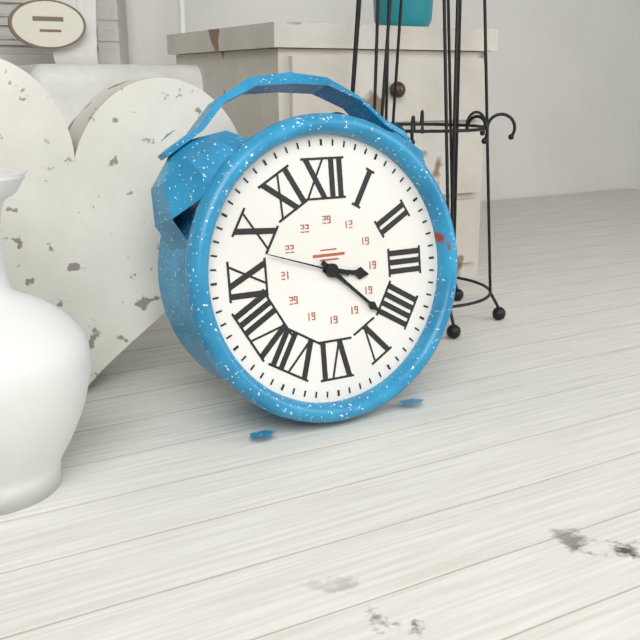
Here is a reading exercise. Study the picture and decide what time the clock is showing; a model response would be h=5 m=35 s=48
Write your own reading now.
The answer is h=3 m=22 s=48
